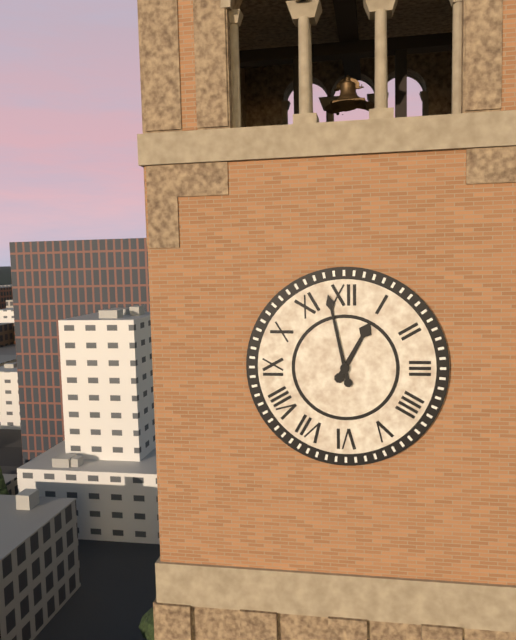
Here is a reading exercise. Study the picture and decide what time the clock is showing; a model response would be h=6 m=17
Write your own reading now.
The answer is h=12 m=58
